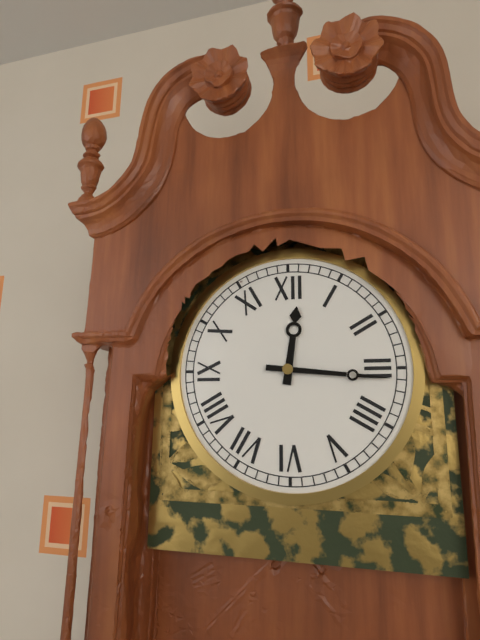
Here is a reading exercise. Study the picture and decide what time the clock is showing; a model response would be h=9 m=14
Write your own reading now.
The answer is h=12 m=16
